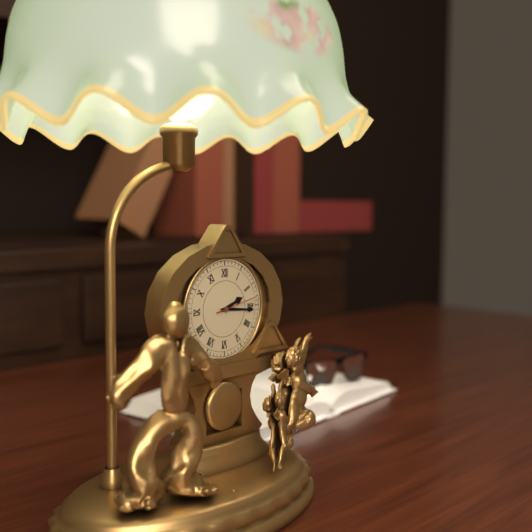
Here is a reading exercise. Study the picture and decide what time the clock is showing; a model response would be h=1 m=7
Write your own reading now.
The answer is h=2 m=16
